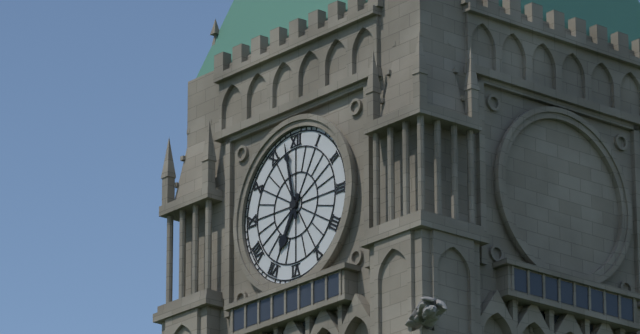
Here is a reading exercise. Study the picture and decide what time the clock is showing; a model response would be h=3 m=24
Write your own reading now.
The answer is h=6 m=58
